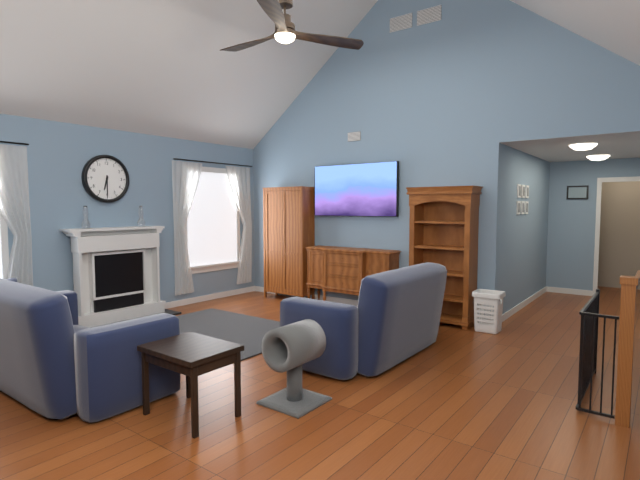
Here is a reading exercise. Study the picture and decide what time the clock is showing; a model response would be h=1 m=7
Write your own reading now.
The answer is h=6 m=30
